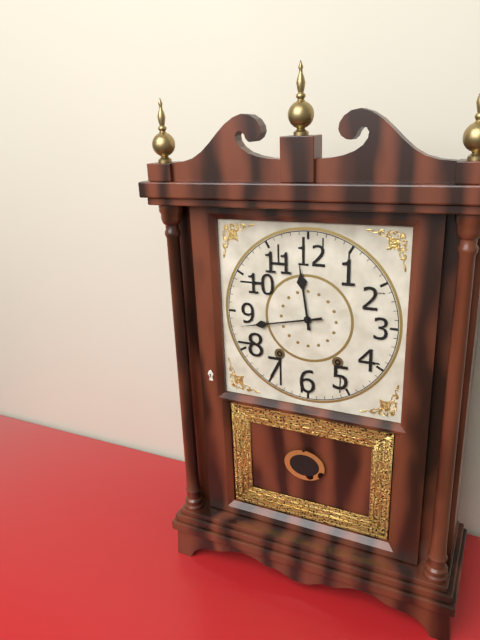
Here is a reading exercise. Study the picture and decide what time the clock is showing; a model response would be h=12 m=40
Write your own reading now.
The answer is h=11 m=43
